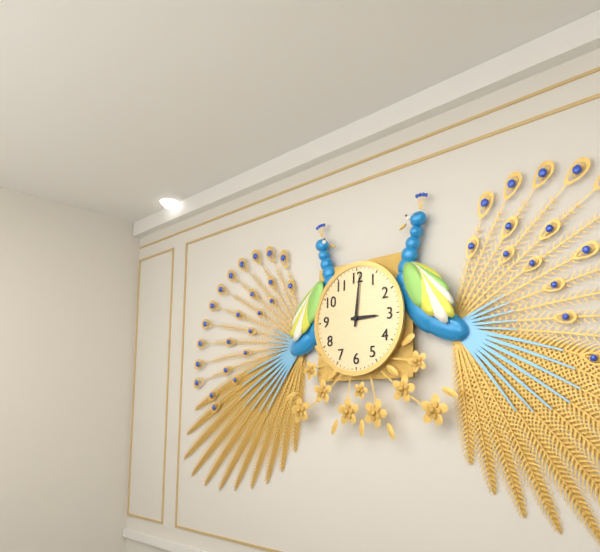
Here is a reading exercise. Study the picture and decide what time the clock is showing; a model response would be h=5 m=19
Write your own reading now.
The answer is h=3 m=1
